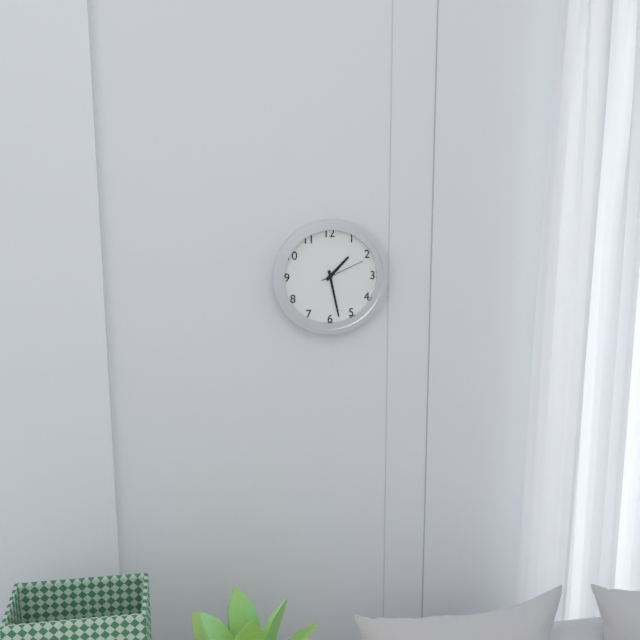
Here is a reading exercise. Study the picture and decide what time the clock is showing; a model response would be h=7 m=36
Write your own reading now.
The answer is h=1 m=28
